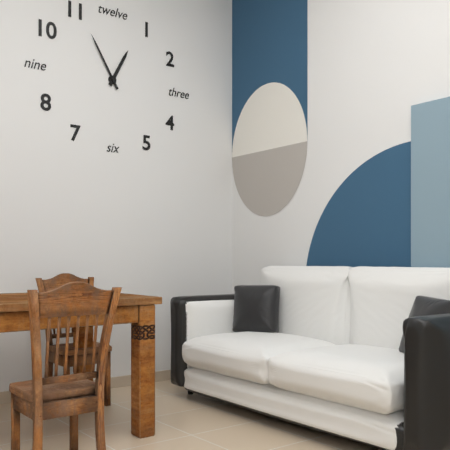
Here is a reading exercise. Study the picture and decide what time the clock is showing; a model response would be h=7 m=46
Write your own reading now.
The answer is h=12 m=55
